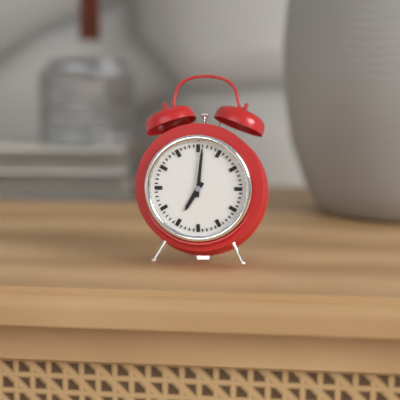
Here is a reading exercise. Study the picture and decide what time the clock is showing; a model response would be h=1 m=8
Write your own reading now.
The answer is h=7 m=1
